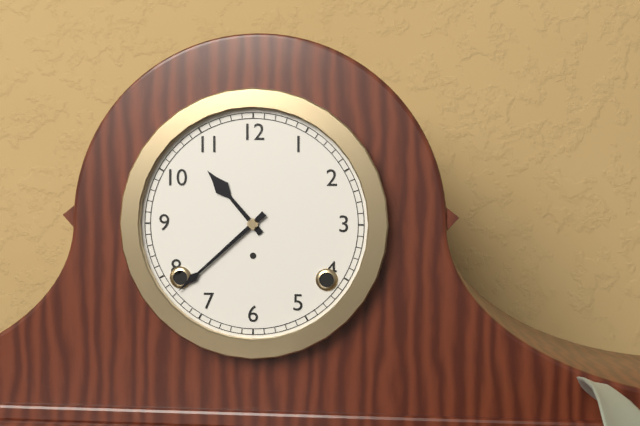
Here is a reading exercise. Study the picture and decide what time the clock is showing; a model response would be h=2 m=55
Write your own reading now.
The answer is h=10 m=38
